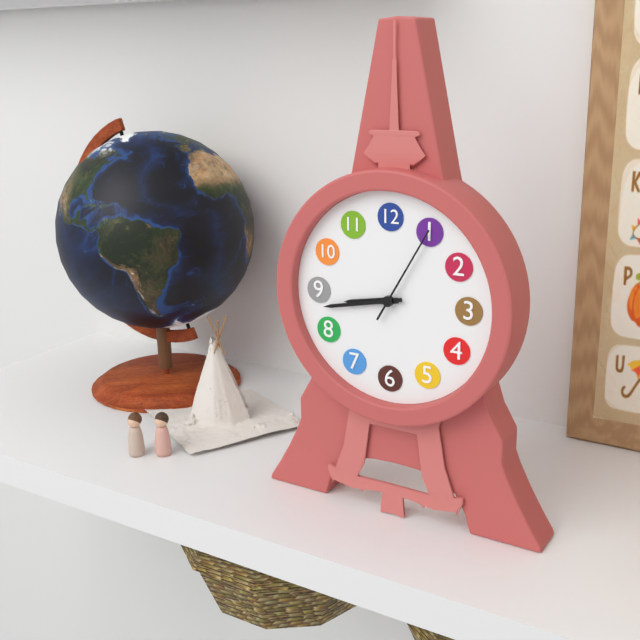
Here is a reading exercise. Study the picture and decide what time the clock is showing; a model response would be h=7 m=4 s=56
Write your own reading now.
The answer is h=8 m=43 s=5
